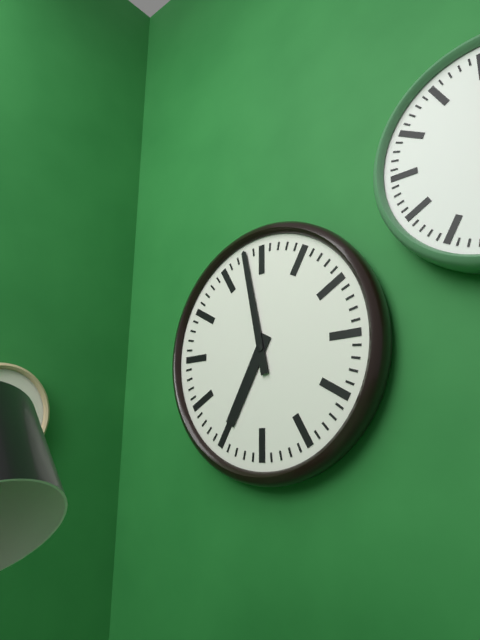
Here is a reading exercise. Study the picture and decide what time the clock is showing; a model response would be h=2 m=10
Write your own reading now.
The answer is h=6 m=58
